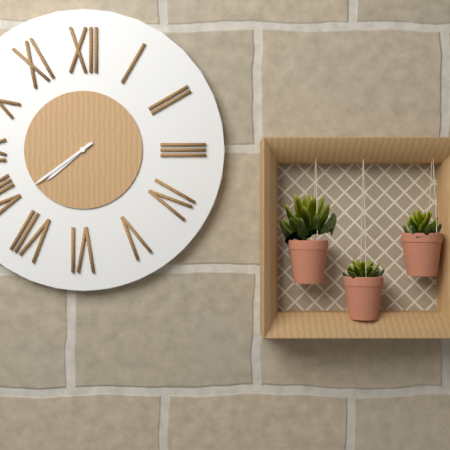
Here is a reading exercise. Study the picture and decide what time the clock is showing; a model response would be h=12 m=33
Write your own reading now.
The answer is h=7 m=39
